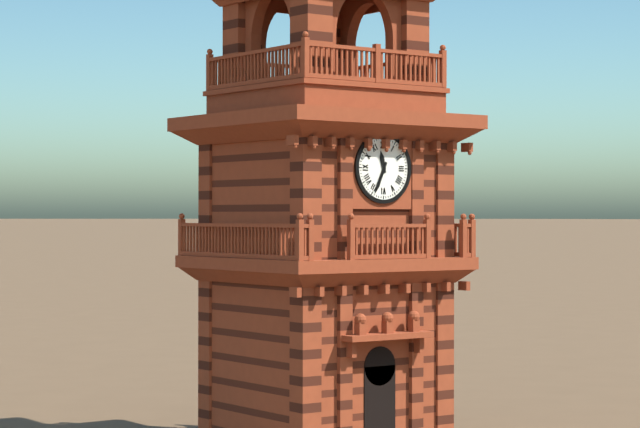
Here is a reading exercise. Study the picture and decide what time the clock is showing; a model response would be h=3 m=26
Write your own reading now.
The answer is h=11 m=34
